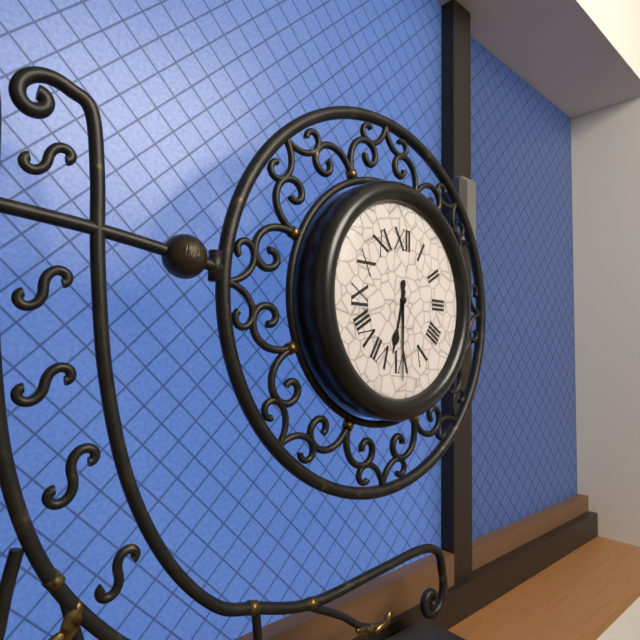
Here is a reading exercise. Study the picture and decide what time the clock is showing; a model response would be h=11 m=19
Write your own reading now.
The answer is h=6 m=30
